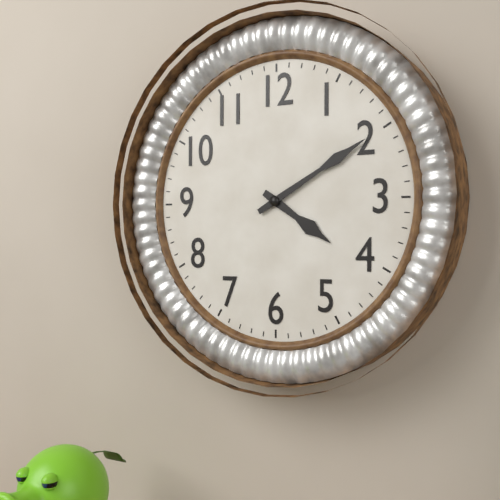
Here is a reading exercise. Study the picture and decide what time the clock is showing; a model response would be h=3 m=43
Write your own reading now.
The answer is h=4 m=10
